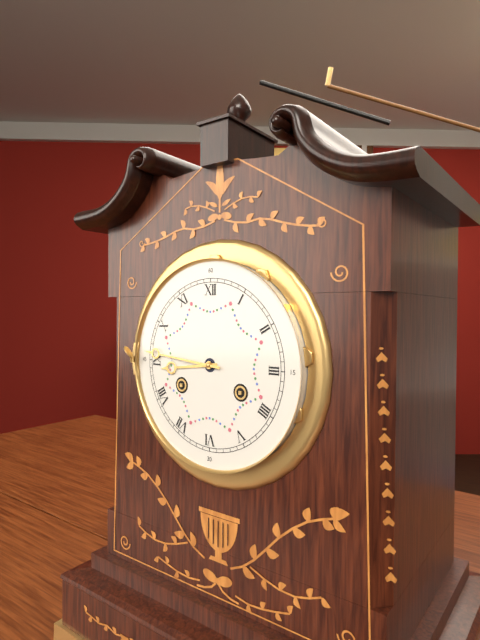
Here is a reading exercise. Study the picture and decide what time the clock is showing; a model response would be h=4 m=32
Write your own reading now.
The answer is h=8 m=46
